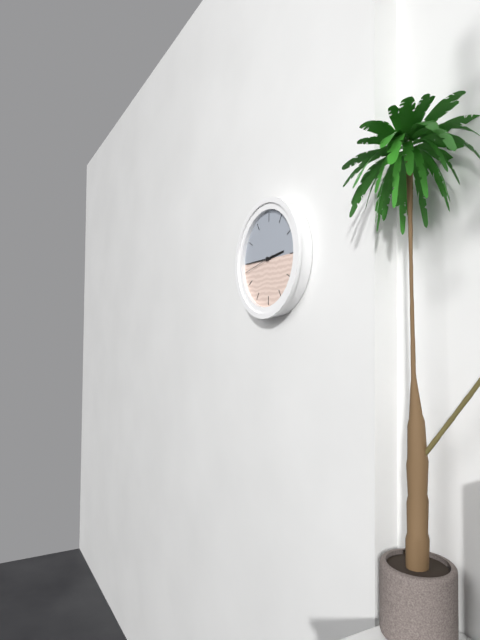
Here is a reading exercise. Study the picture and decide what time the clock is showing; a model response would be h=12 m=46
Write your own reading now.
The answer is h=2 m=45
